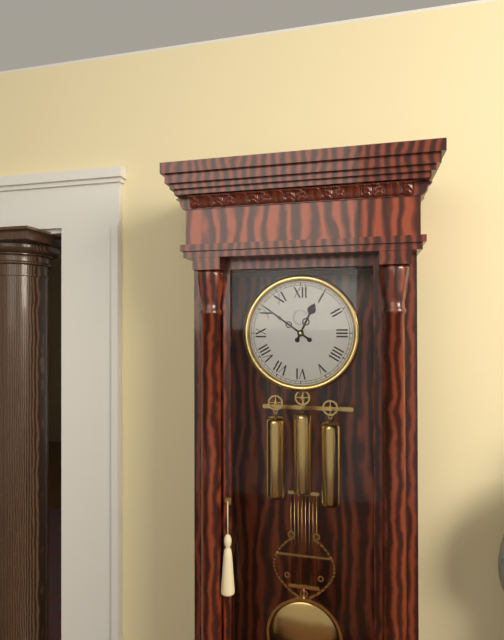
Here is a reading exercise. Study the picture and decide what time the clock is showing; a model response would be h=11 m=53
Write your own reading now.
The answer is h=12 m=51
